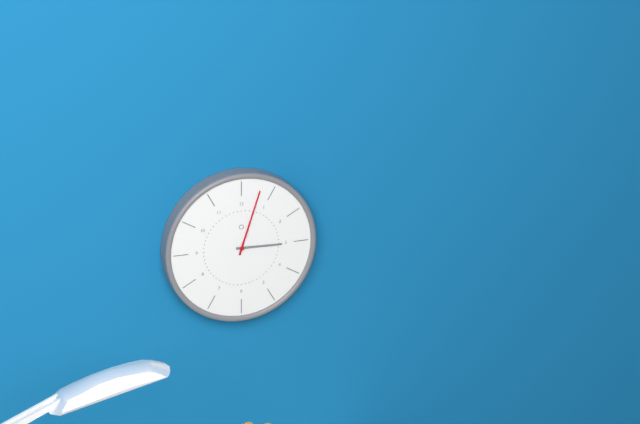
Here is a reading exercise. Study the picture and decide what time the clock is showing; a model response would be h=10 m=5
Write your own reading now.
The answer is h=3 m=3
